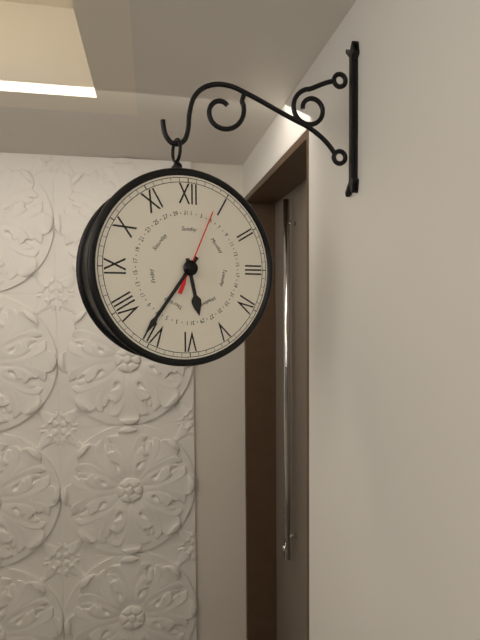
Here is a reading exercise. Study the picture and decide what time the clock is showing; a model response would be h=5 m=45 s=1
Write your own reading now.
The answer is h=5 m=36 s=4
